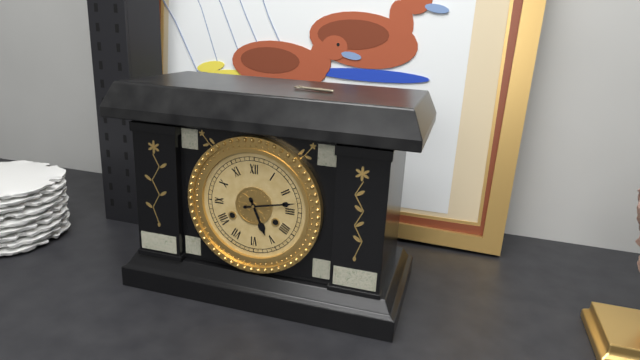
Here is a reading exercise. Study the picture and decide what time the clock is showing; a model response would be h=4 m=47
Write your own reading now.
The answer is h=5 m=13
